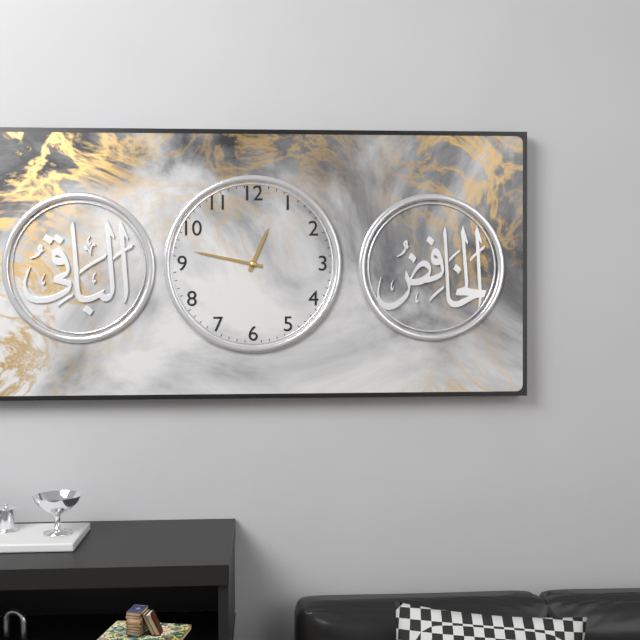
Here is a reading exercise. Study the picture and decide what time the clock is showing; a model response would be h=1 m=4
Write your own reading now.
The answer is h=12 m=47
